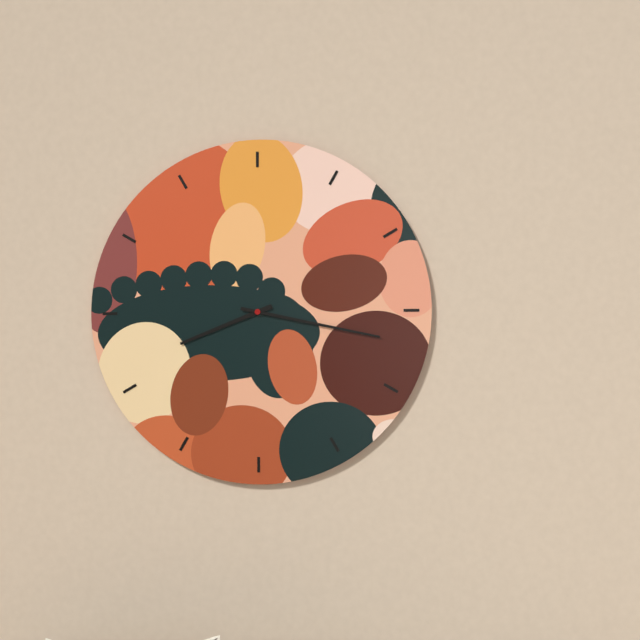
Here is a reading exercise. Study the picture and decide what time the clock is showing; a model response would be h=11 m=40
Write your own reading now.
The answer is h=8 m=17
